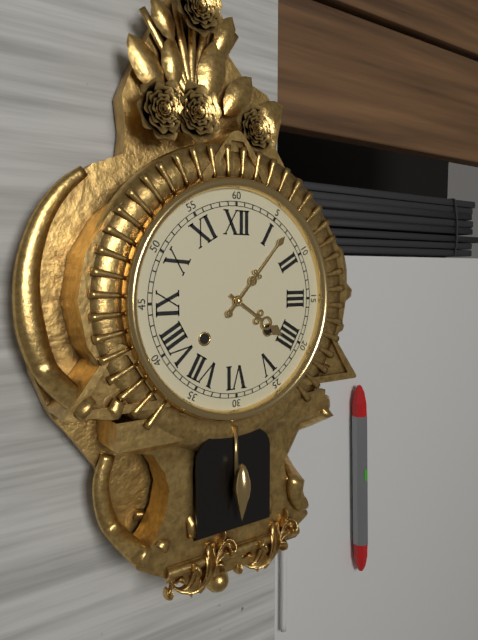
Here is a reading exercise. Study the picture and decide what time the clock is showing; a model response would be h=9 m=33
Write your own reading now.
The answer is h=4 m=7
